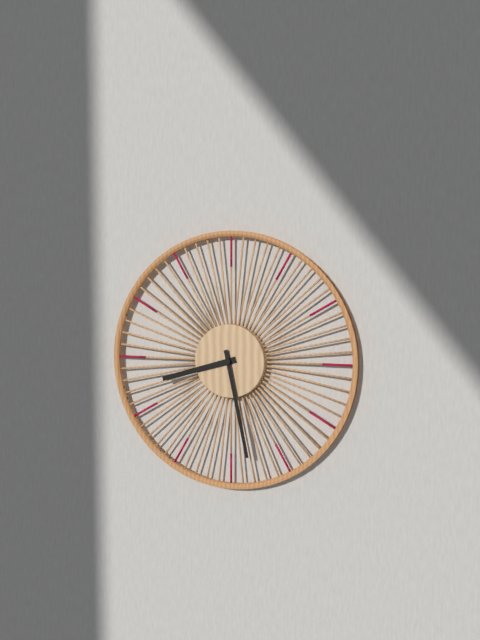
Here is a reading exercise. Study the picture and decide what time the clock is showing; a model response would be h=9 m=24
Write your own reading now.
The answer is h=8 m=28
